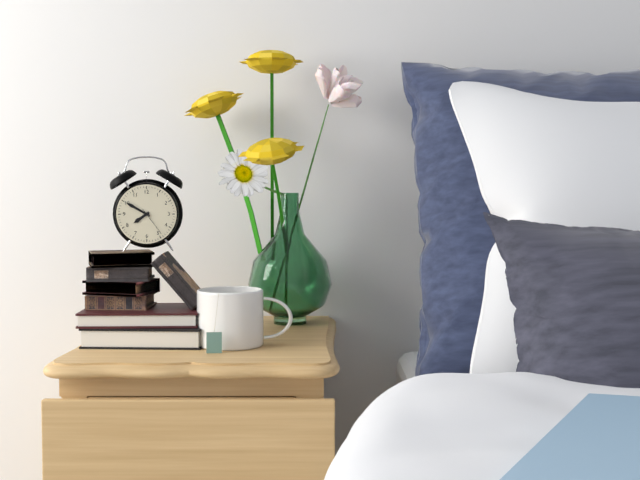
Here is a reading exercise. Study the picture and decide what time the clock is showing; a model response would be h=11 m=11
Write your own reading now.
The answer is h=7 m=50
